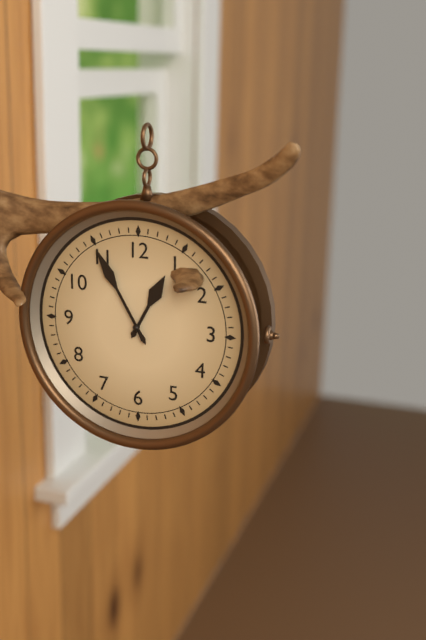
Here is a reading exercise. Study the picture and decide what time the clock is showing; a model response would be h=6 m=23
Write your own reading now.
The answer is h=12 m=55
